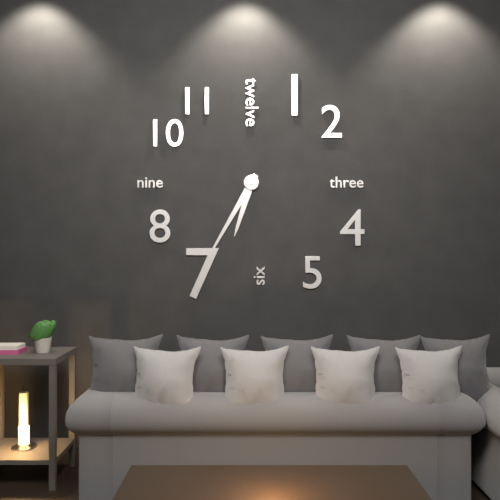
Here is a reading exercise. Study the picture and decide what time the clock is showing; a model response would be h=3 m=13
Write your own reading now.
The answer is h=6 m=35
